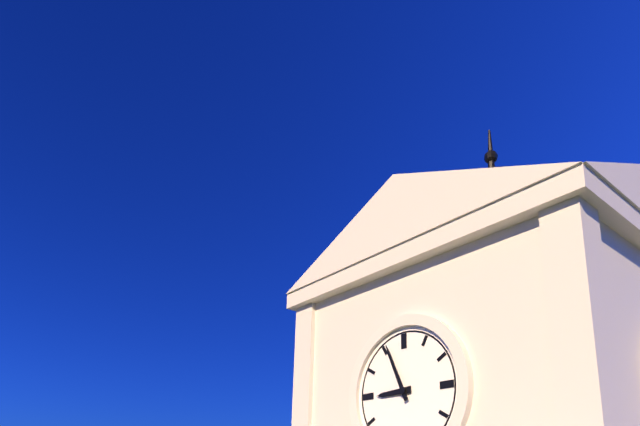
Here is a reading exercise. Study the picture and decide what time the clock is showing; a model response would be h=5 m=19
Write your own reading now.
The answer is h=8 m=56
